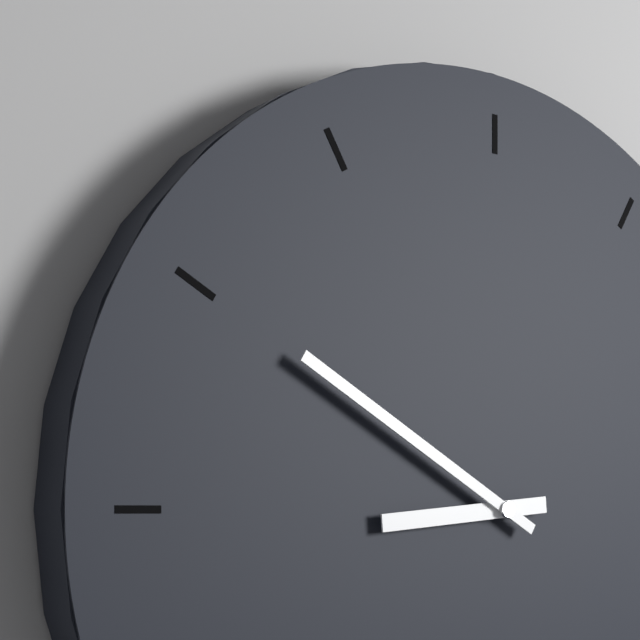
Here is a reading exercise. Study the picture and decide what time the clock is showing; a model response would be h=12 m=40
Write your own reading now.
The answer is h=8 m=50
